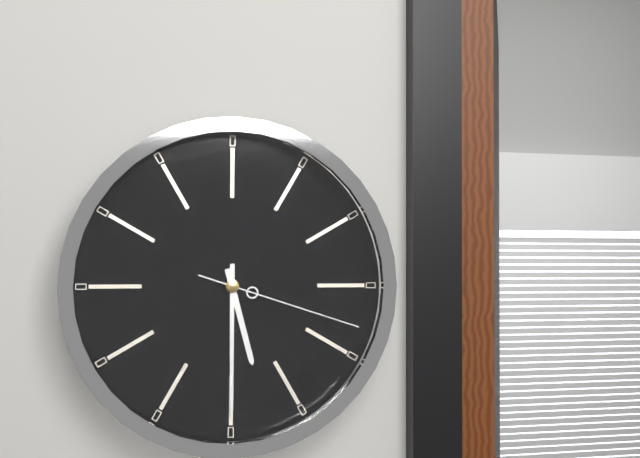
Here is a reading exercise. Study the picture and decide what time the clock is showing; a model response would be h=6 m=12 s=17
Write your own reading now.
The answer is h=5 m=30 s=18
